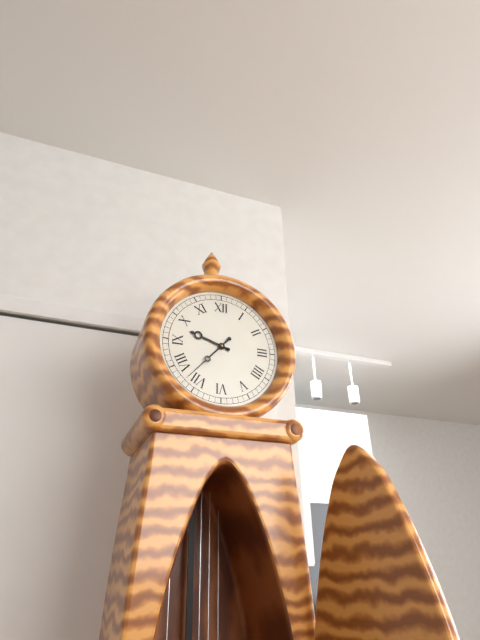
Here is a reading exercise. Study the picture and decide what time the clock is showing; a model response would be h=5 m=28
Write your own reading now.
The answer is h=9 m=37
